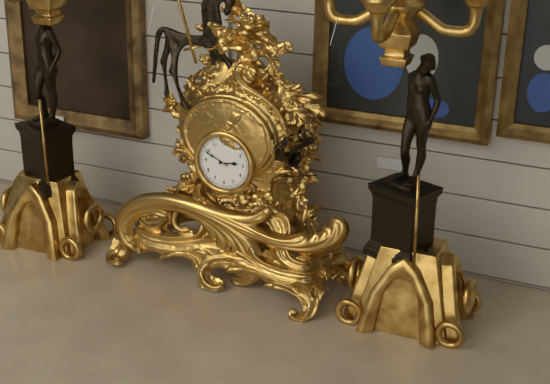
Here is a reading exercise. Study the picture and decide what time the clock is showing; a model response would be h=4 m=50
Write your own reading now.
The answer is h=2 m=49
